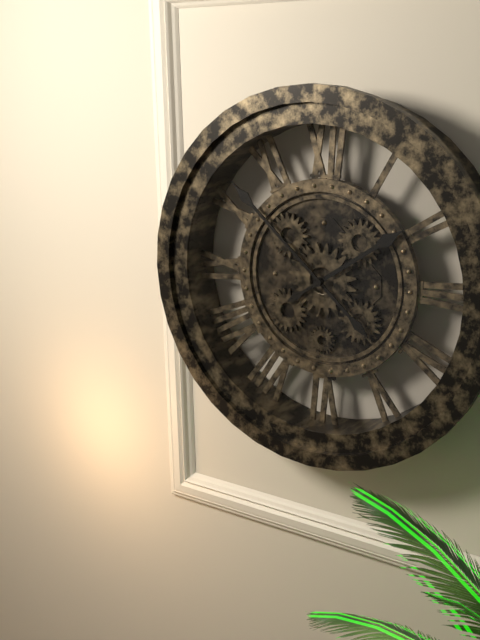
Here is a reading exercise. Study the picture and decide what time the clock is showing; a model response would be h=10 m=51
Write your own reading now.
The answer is h=1 m=52
